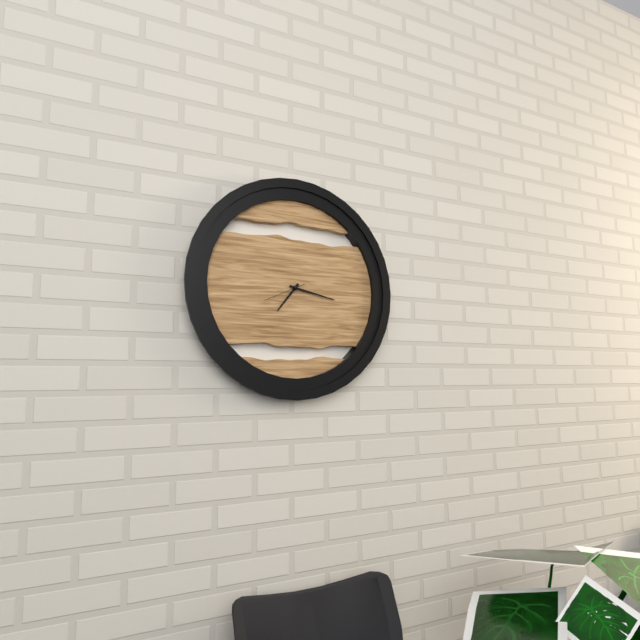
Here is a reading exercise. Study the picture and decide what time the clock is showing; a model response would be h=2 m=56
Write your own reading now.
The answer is h=7 m=17
